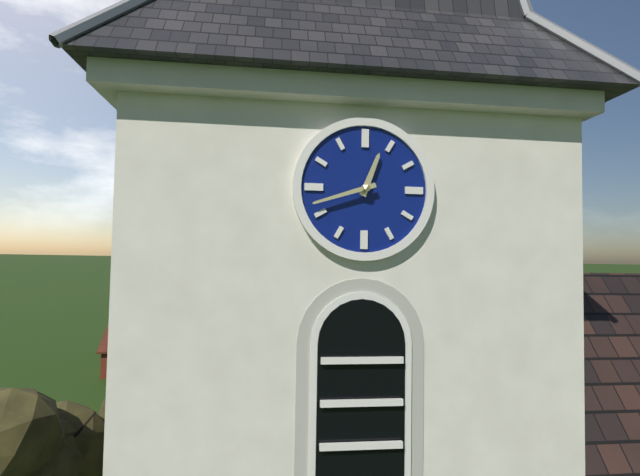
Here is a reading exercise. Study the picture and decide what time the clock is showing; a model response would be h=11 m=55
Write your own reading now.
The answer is h=12 m=42
